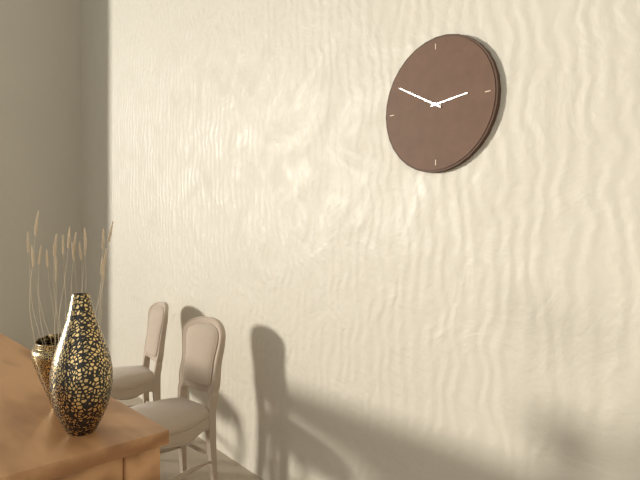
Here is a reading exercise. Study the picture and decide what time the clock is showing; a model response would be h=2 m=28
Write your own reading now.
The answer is h=2 m=50
